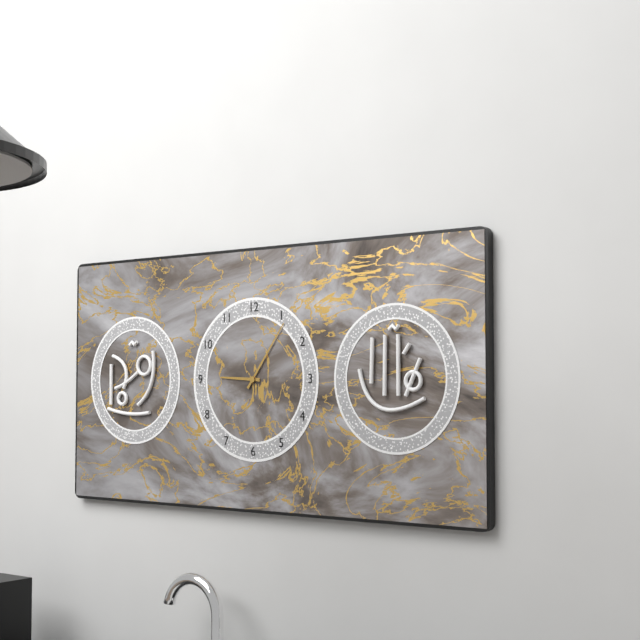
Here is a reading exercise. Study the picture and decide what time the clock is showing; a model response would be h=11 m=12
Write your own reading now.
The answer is h=9 m=6
